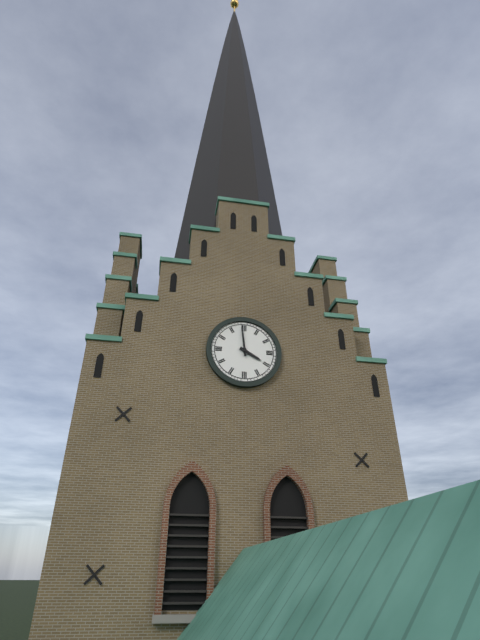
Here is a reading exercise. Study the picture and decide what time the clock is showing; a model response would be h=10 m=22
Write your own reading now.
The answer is h=3 m=59
